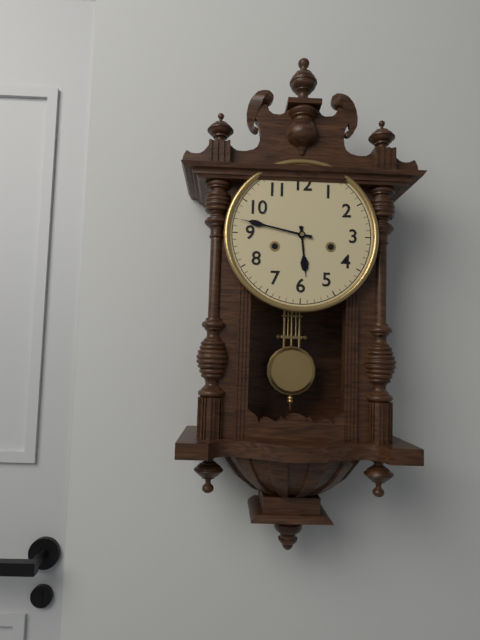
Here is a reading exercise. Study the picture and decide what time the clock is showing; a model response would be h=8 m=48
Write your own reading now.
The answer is h=5 m=47
